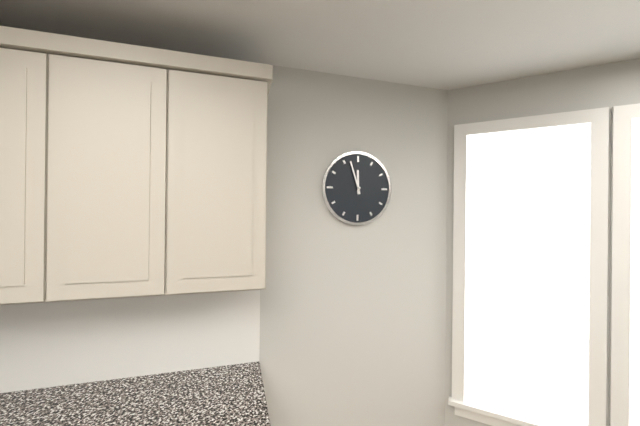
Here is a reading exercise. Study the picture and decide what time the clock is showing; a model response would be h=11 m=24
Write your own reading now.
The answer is h=11 m=57
